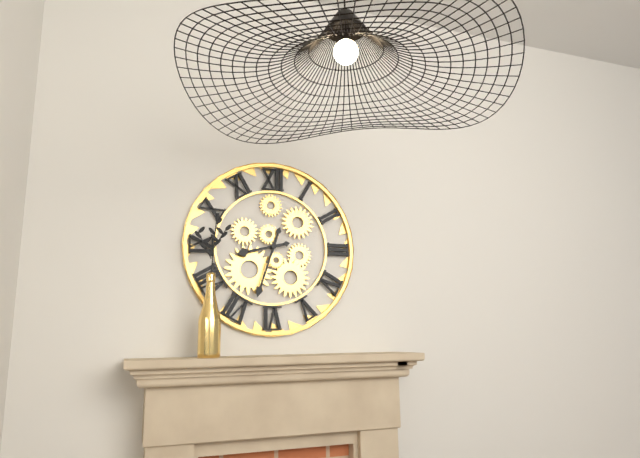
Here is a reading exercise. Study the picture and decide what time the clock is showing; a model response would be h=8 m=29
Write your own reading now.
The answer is h=8 m=33
